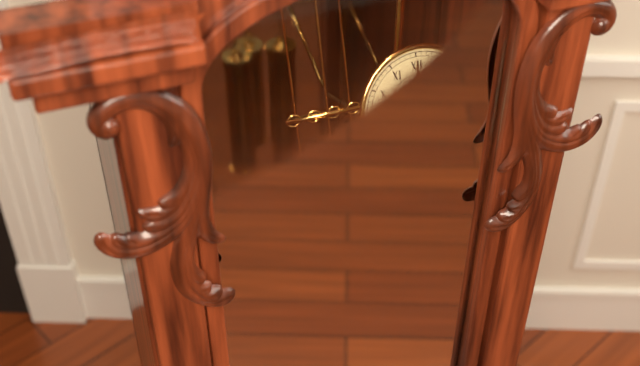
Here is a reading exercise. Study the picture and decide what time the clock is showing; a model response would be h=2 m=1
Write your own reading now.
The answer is h=6 m=0
